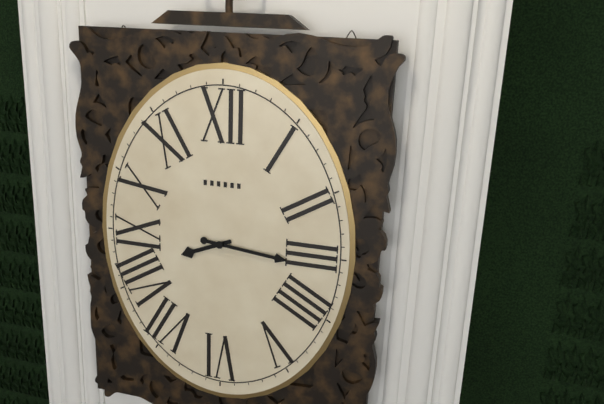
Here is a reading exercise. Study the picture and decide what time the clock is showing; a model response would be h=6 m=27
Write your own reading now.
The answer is h=8 m=16
